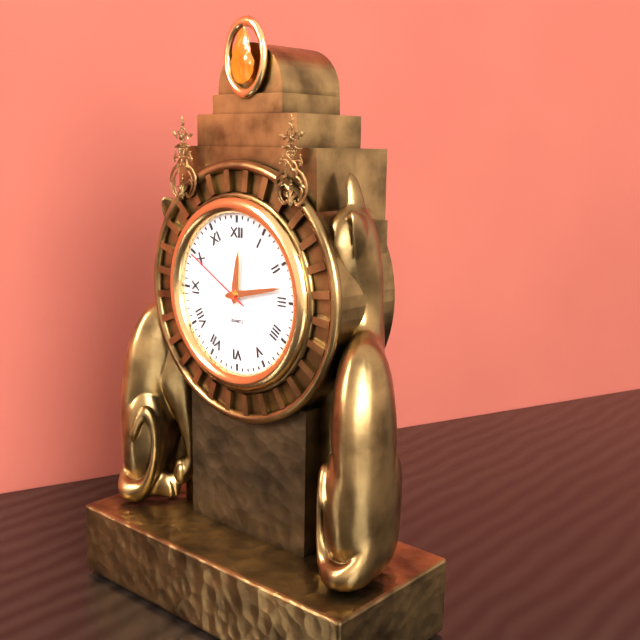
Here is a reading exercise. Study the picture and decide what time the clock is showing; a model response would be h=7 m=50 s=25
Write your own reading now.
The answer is h=12 m=13 s=50
